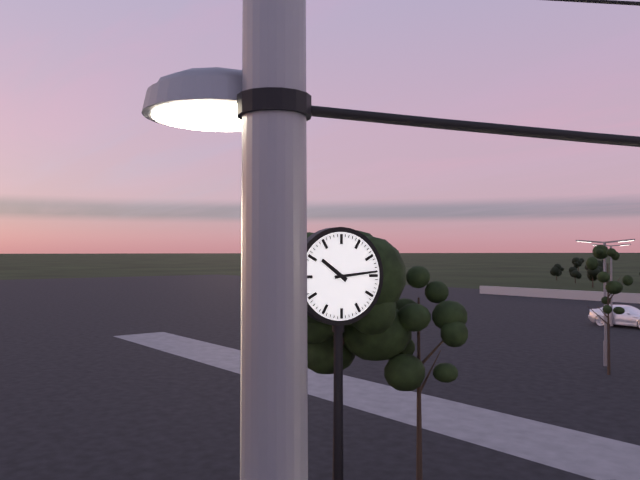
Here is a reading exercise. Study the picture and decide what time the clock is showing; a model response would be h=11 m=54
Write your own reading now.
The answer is h=10 m=14
